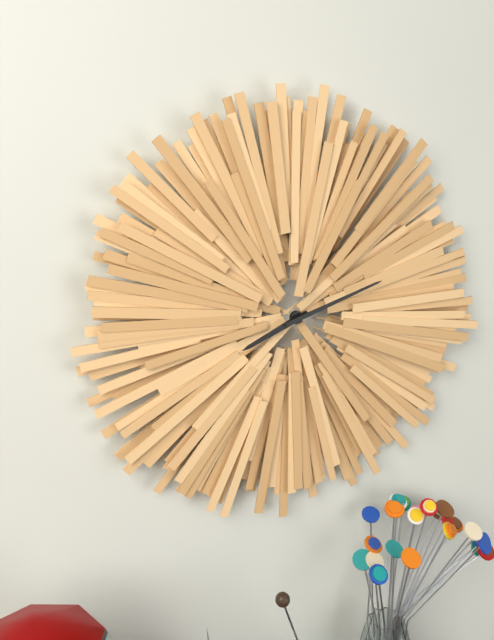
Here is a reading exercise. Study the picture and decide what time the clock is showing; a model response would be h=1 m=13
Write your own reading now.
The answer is h=8 m=12
